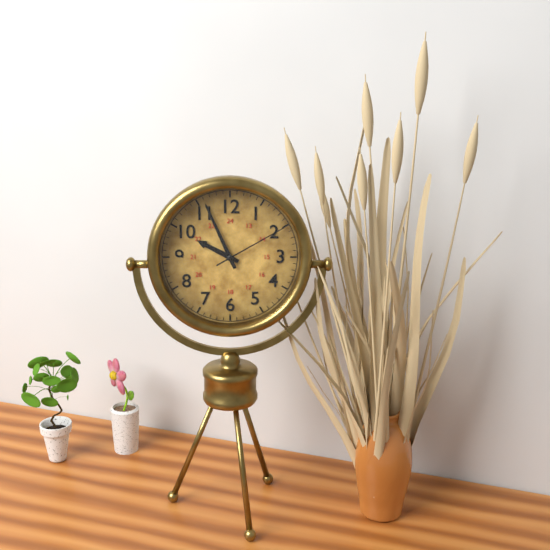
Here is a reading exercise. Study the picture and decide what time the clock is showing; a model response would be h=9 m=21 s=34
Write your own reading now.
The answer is h=9 m=56 s=10
